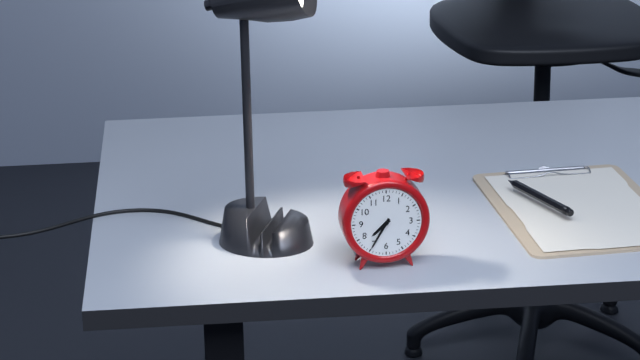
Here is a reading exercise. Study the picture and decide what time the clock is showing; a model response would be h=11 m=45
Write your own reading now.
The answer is h=7 m=35
